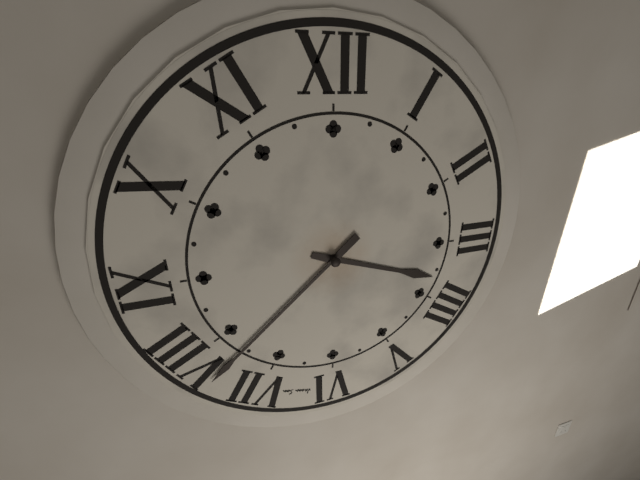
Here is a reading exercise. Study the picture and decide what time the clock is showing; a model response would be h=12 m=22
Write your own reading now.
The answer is h=3 m=38
